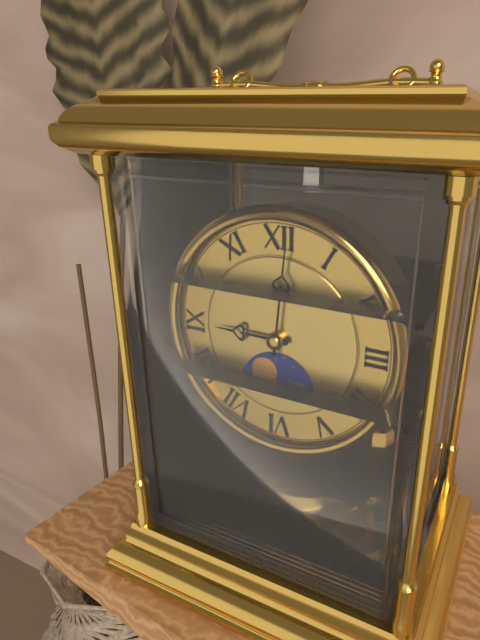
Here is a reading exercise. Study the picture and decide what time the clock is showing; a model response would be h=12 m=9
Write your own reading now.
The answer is h=9 m=1
